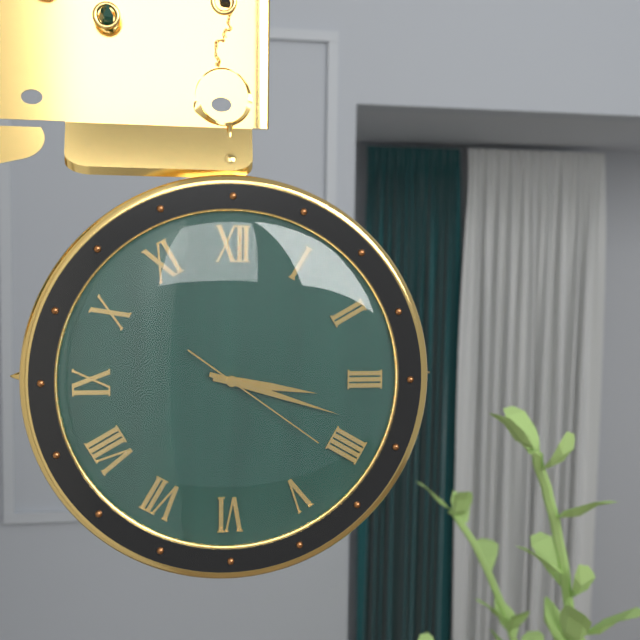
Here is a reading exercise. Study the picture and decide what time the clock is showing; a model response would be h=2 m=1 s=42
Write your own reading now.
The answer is h=3 m=18 s=21
